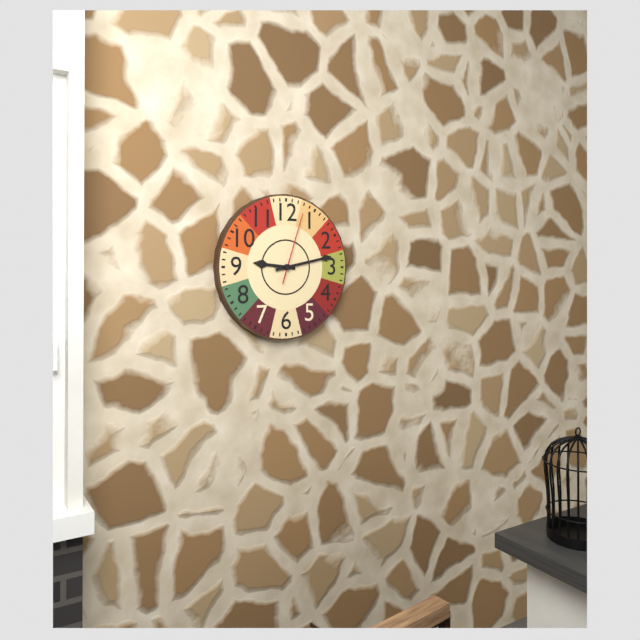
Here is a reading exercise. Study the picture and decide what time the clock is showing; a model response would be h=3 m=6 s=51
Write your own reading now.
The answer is h=9 m=13 s=3
